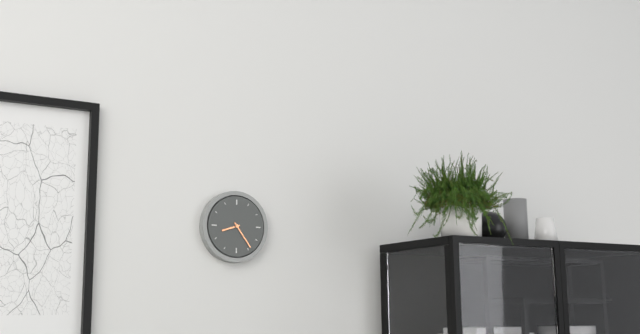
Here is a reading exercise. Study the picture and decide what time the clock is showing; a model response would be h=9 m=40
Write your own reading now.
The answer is h=8 m=24
